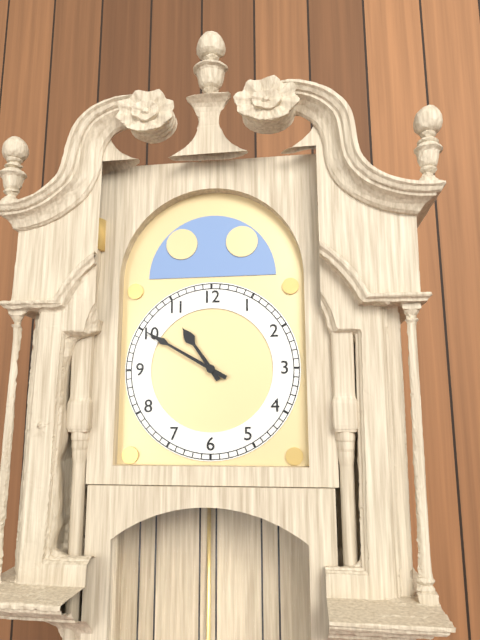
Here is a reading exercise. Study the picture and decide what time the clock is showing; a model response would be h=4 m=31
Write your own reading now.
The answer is h=10 m=50
